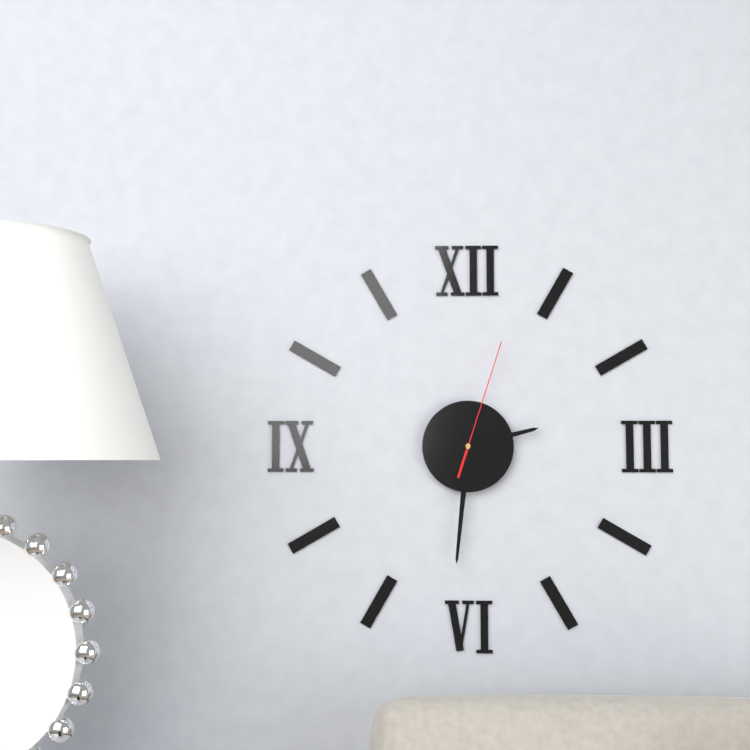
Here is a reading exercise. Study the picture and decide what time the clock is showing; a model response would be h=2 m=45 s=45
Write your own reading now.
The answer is h=2 m=31 s=3
